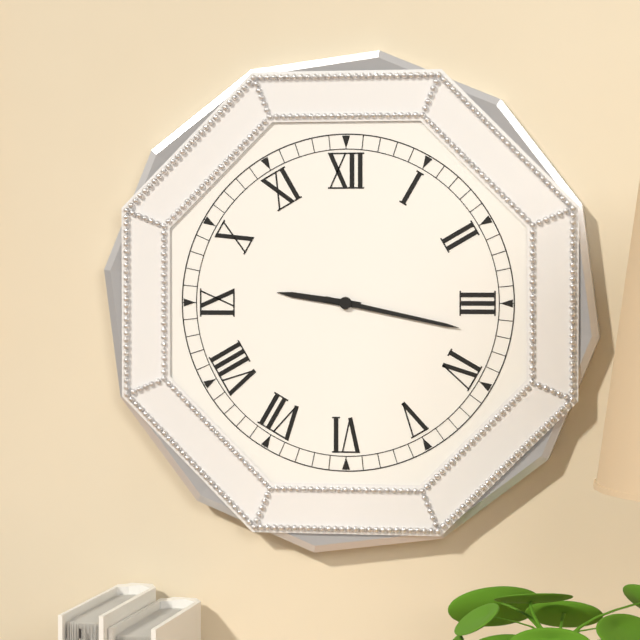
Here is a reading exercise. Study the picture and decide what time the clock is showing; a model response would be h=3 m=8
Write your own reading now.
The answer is h=9 m=17
